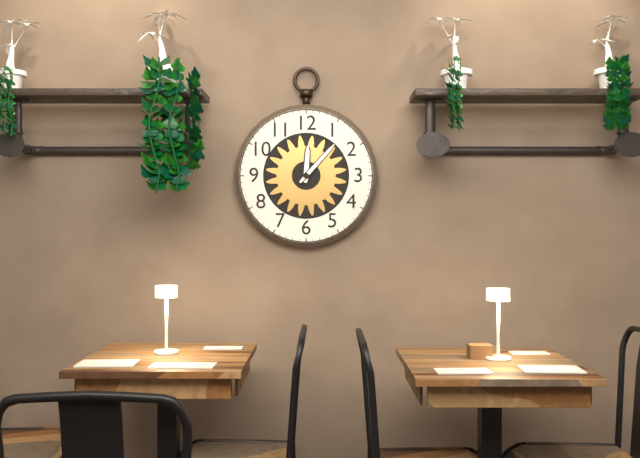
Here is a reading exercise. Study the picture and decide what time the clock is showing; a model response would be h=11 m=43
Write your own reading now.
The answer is h=12 m=7
